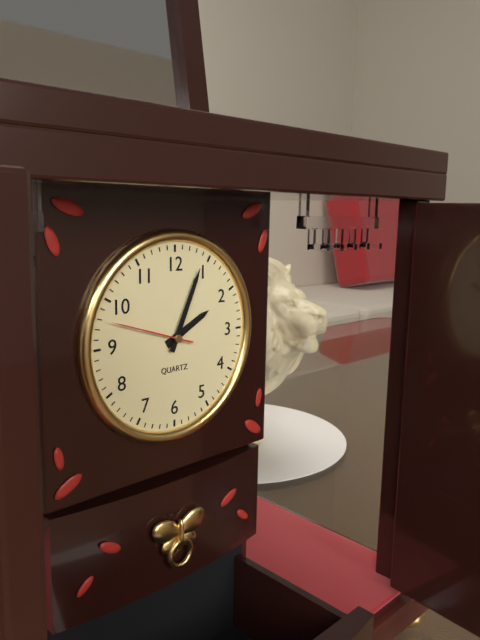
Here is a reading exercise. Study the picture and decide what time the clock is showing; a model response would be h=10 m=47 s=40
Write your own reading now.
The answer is h=2 m=4 s=48
